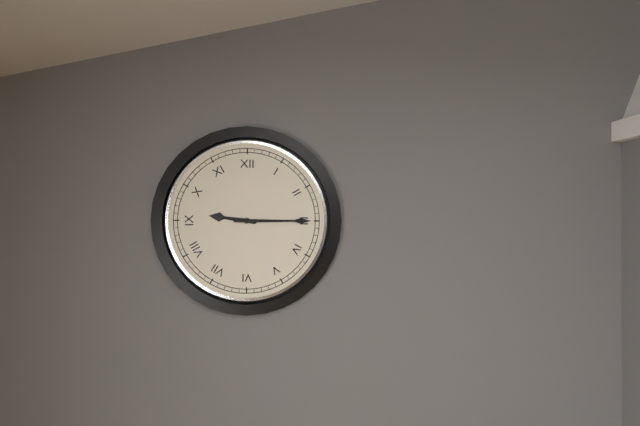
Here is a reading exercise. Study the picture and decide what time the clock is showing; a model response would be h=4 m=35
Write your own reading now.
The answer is h=9 m=15
